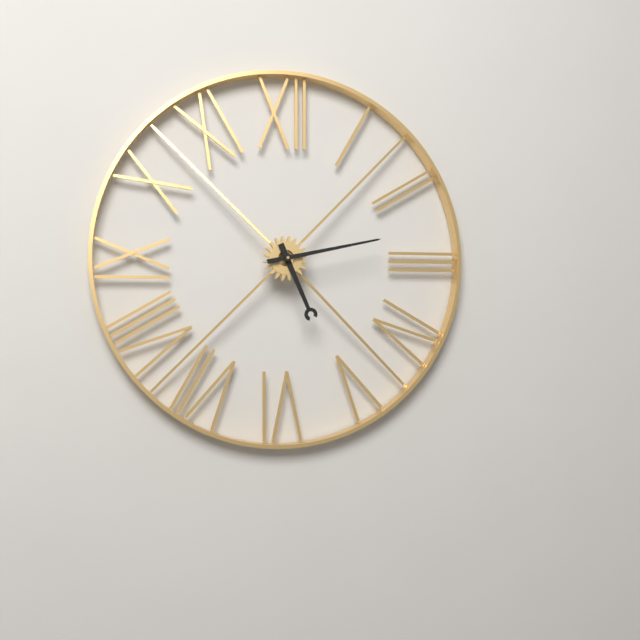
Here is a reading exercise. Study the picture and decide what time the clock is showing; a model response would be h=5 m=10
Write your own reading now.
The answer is h=5 m=13
